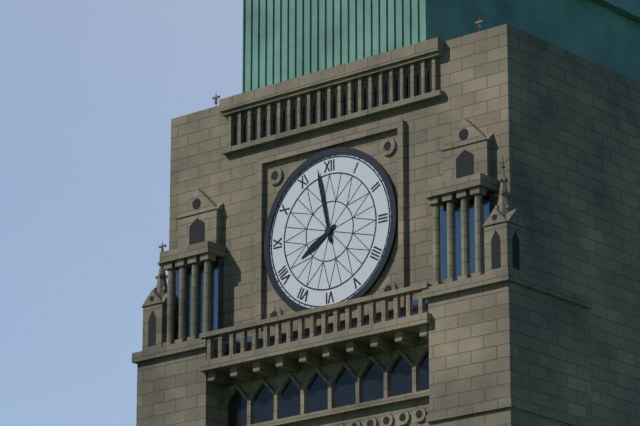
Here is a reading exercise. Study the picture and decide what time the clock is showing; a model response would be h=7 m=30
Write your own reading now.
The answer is h=7 m=58
